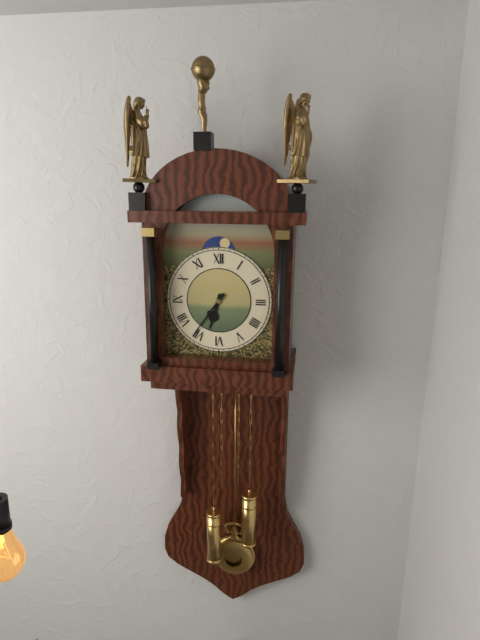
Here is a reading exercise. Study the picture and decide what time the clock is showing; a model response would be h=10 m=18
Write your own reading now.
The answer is h=6 m=36
